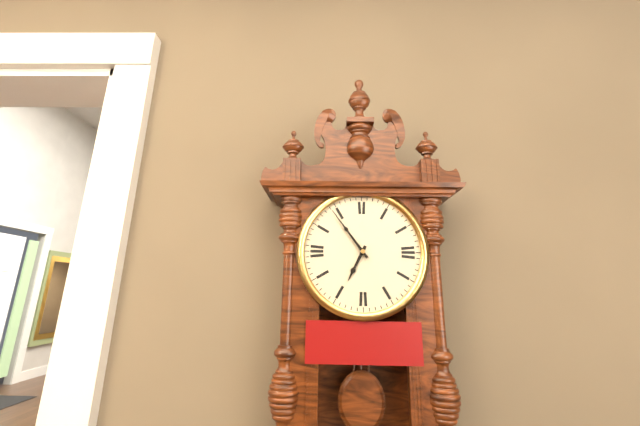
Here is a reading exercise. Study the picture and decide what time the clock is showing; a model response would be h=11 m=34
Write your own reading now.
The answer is h=6 m=54
